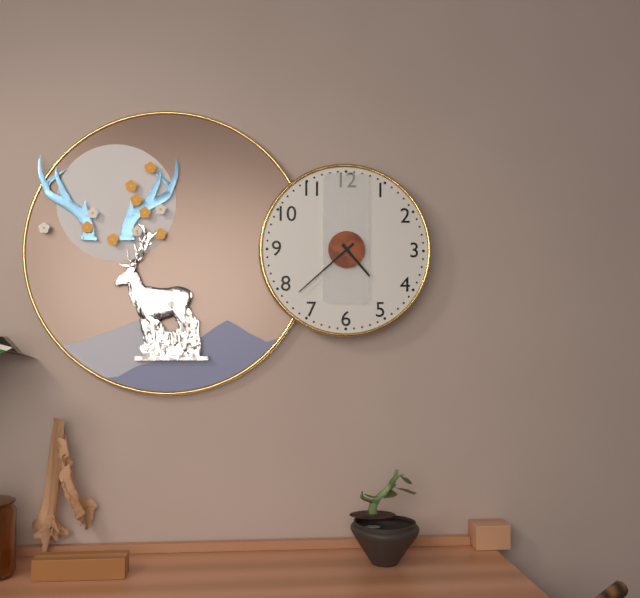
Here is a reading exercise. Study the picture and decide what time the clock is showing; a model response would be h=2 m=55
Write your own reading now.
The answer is h=4 m=38
